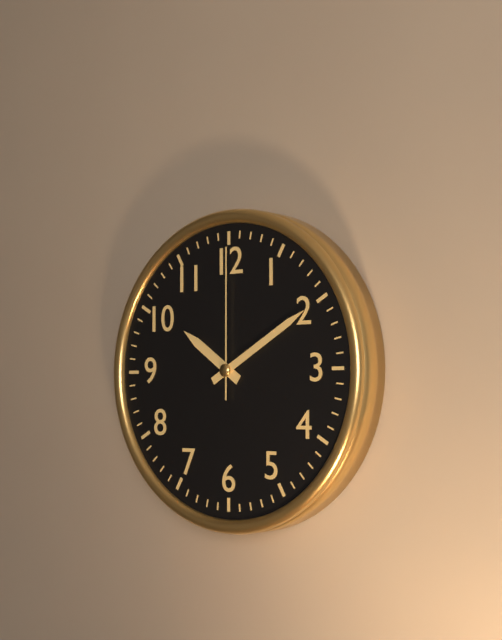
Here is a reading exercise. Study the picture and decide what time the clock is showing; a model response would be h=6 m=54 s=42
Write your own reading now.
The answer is h=10 m=10 s=0
